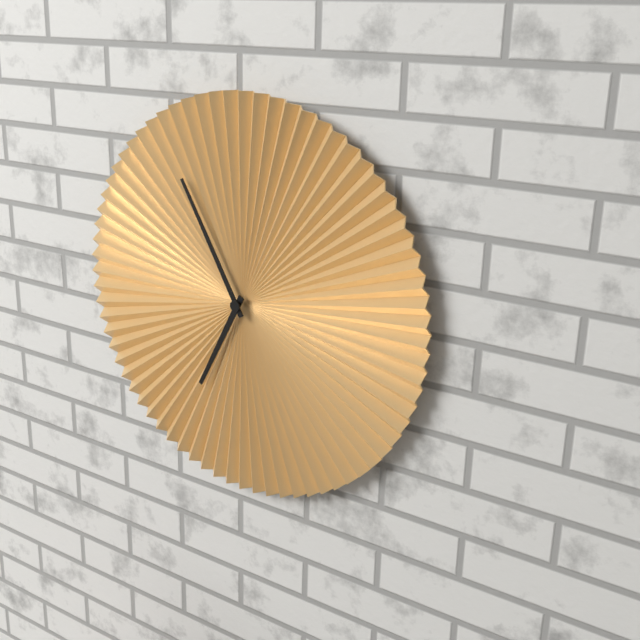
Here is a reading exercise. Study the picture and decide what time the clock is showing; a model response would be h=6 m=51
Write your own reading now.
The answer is h=6 m=55
